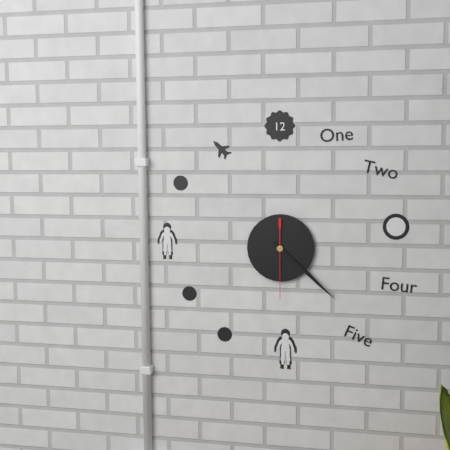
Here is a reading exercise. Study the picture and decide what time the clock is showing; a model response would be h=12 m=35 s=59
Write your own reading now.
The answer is h=4 m=22 s=30
